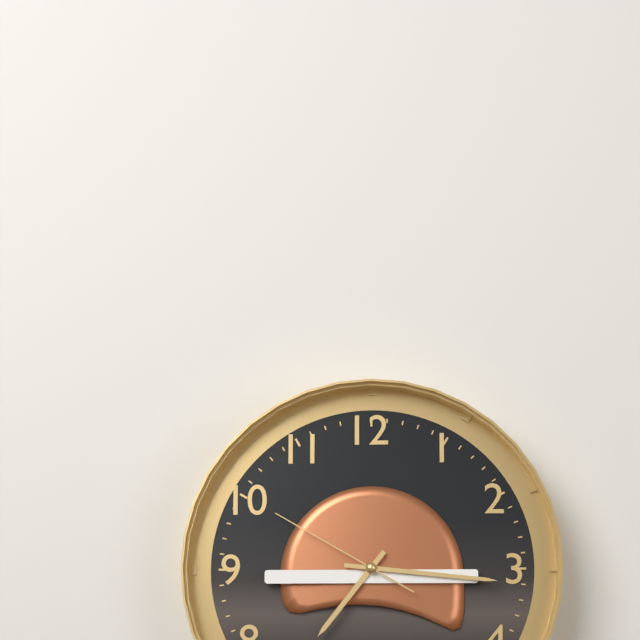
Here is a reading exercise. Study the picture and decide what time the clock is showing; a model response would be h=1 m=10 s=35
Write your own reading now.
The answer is h=7 m=16 s=50
